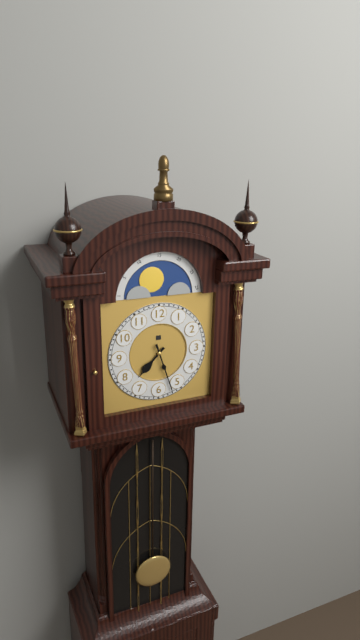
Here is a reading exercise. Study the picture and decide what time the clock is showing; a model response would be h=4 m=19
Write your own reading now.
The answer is h=7 m=27
